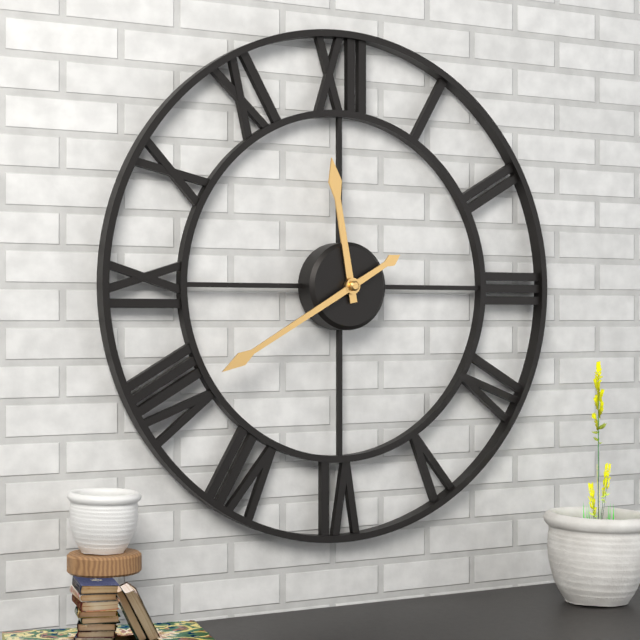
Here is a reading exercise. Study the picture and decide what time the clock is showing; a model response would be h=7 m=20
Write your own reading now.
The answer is h=11 m=40
